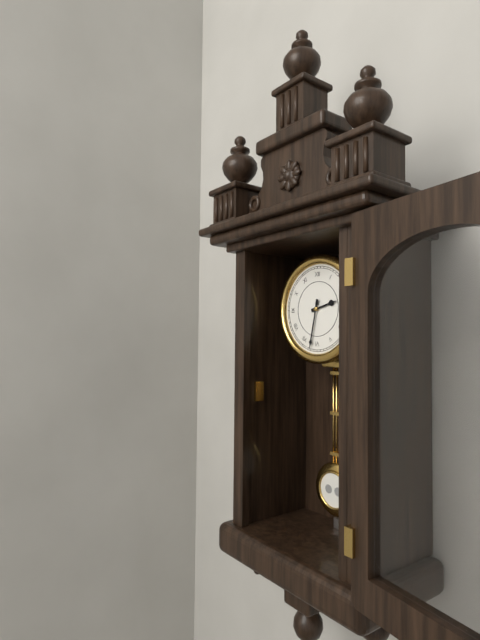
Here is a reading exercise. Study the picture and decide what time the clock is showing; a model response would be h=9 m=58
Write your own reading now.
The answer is h=2 m=32
